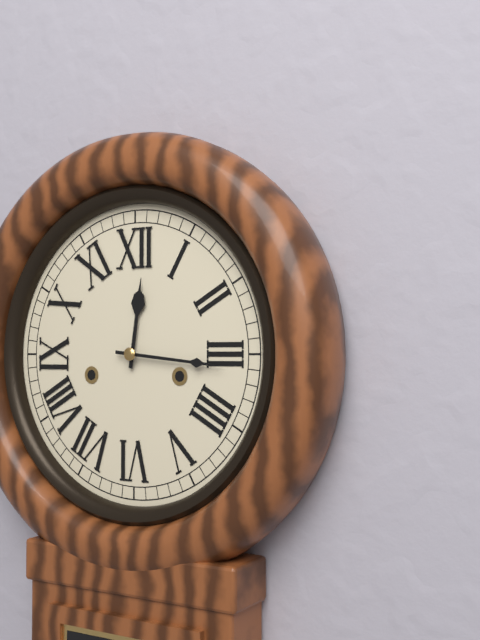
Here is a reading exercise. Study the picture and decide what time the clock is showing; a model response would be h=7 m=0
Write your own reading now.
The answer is h=12 m=16
